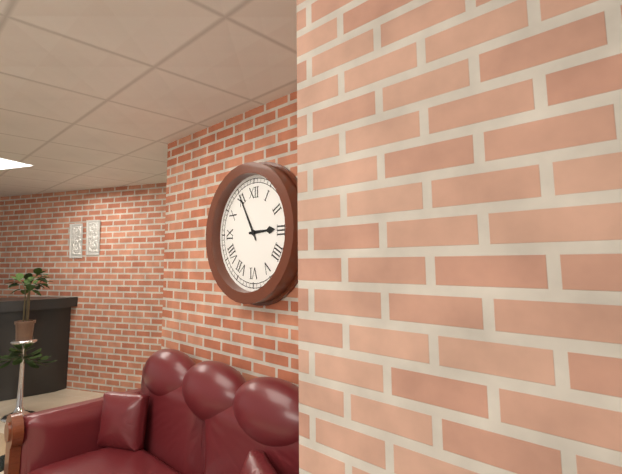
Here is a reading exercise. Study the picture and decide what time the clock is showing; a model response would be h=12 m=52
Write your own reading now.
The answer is h=2 m=55
